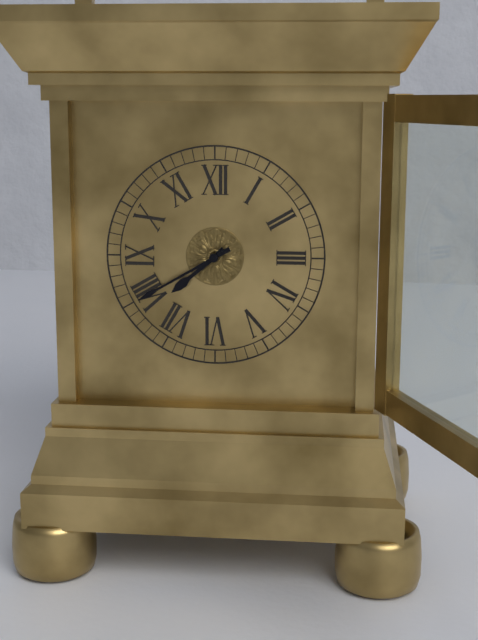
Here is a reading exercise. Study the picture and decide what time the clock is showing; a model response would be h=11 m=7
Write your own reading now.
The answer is h=7 m=40
